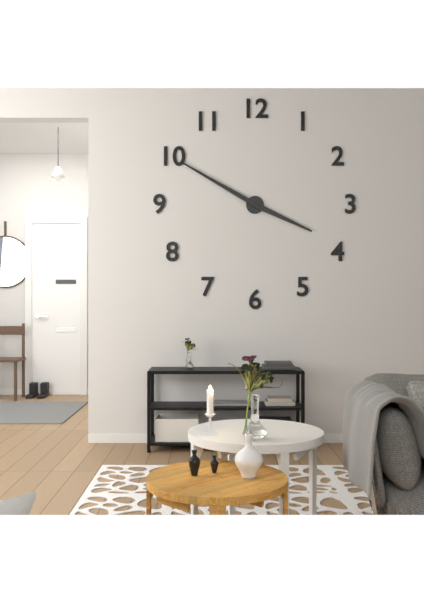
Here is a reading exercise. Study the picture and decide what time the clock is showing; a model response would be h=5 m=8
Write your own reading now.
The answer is h=3 m=50
